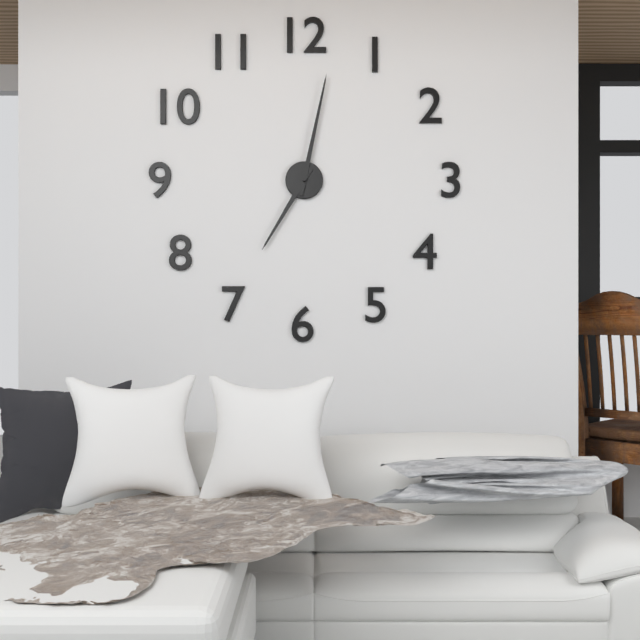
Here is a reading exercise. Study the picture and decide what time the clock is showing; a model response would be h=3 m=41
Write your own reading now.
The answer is h=7 m=2
